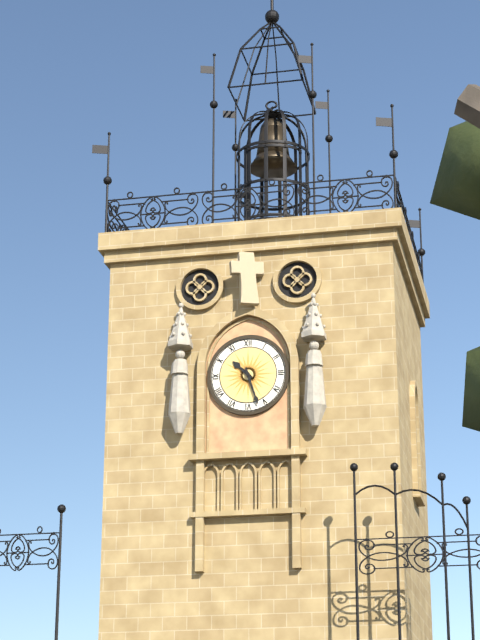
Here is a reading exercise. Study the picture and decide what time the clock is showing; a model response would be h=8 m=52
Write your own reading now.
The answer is h=10 m=27
